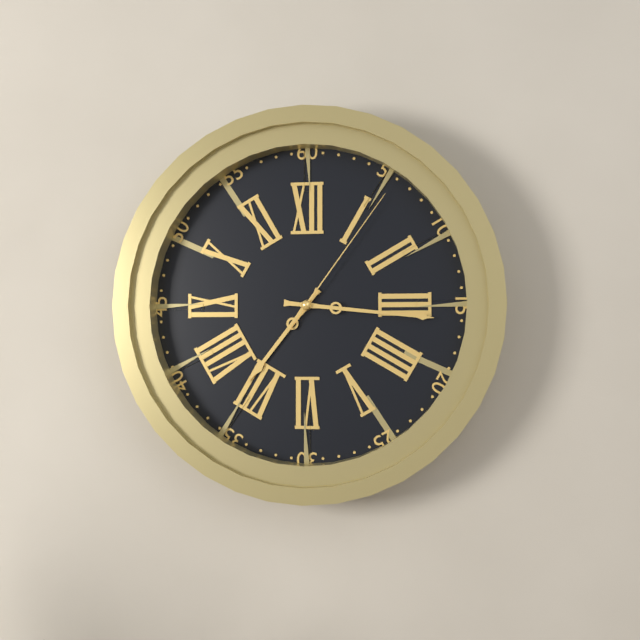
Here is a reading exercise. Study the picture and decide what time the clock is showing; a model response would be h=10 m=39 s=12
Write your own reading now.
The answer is h=7 m=16 s=6
